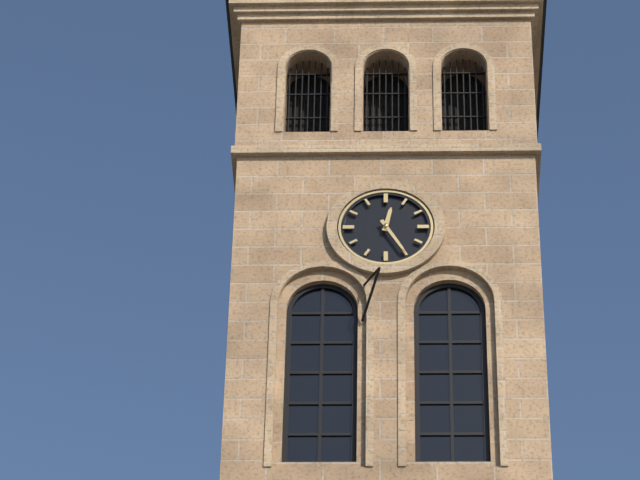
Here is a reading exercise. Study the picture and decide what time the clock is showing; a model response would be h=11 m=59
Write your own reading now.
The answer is h=12 m=25
